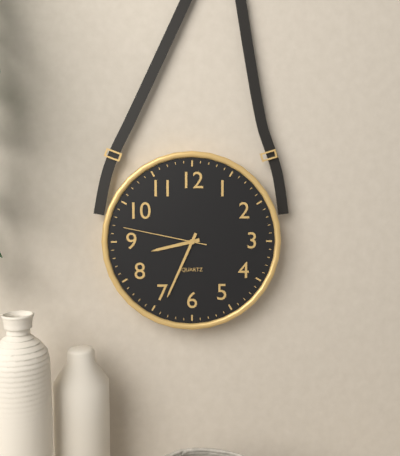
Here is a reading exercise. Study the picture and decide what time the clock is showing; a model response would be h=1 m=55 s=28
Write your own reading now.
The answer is h=8 m=34 s=47
